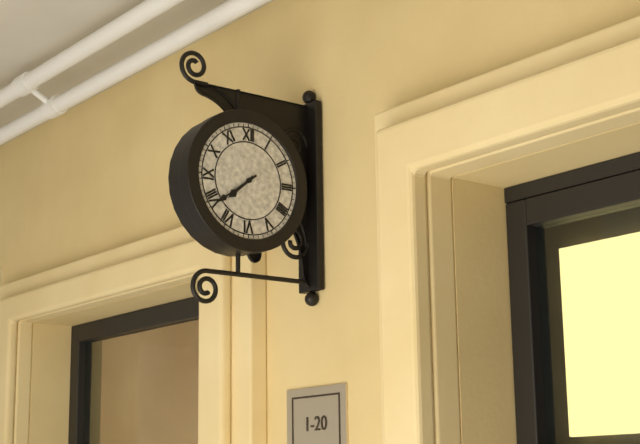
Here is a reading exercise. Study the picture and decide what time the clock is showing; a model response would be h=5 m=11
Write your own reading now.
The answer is h=7 m=39
